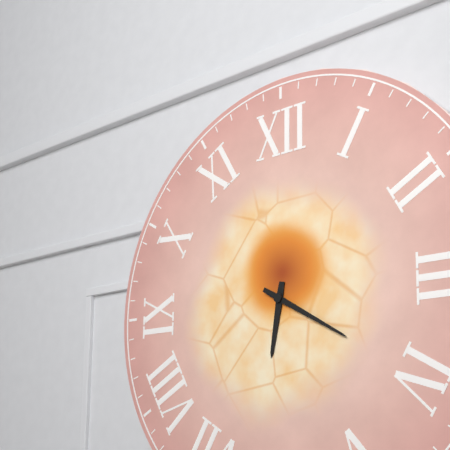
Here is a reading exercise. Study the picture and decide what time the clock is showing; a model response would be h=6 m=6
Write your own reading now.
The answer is h=6 m=20
